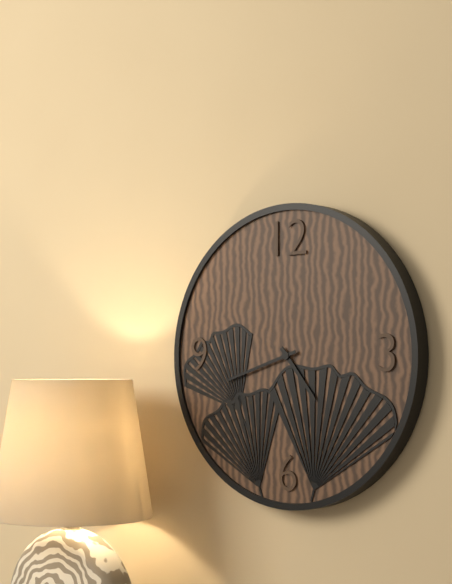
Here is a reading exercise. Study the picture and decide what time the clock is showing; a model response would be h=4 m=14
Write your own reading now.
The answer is h=4 m=42
